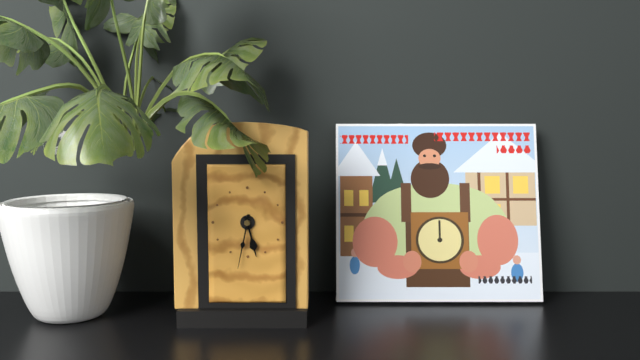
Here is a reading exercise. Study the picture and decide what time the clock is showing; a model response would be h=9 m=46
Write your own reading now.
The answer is h=5 m=32
